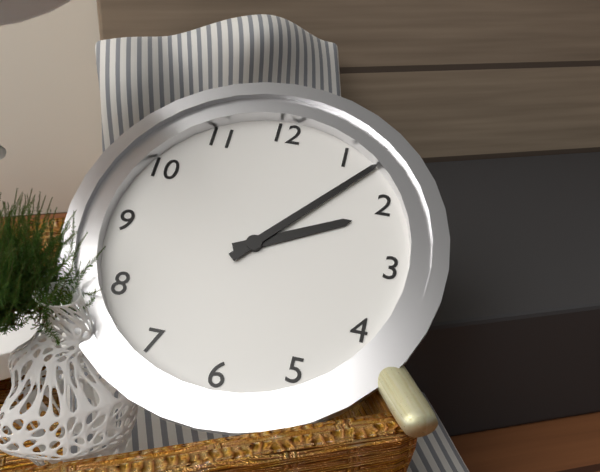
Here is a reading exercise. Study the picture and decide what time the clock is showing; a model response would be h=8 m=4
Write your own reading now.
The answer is h=2 m=7
